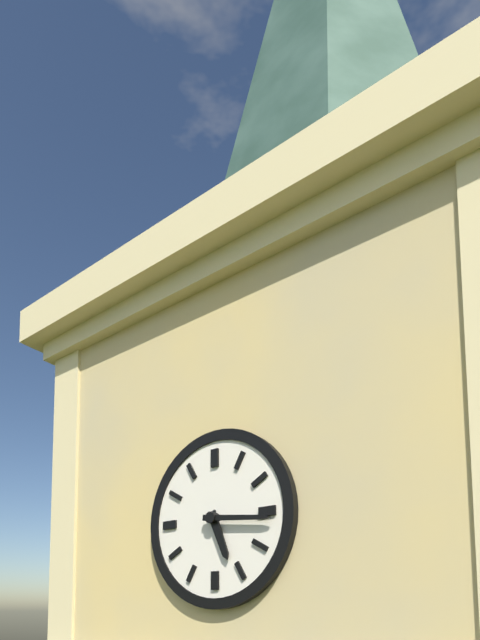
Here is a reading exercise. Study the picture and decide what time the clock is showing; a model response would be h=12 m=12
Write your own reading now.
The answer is h=5 m=16
